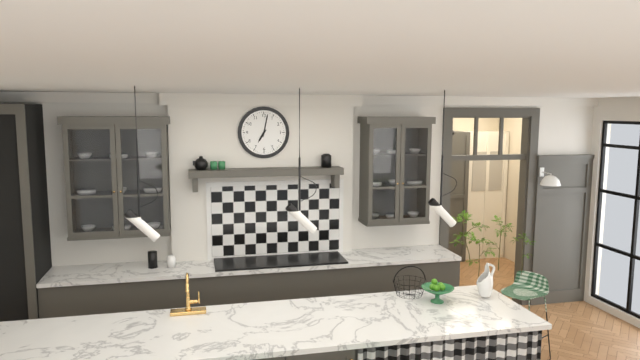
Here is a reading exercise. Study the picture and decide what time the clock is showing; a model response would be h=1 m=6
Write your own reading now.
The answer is h=7 m=2
